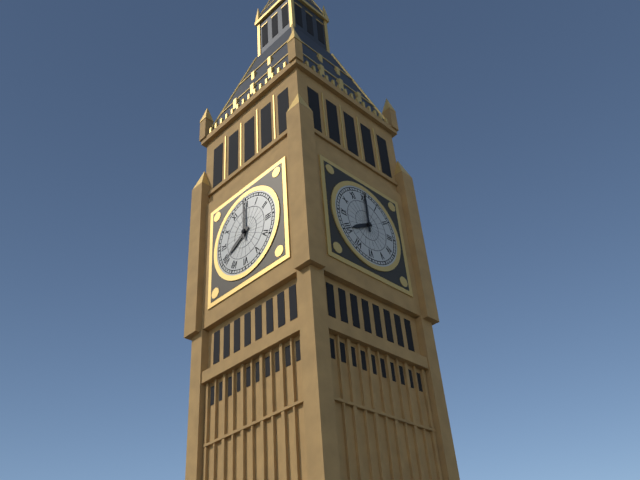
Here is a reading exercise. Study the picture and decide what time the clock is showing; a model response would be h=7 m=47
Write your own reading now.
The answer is h=8 m=0
